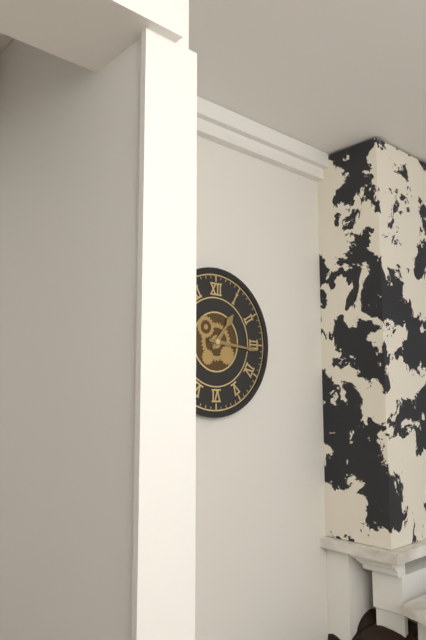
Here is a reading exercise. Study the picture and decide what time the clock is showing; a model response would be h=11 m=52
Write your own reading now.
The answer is h=1 m=16
